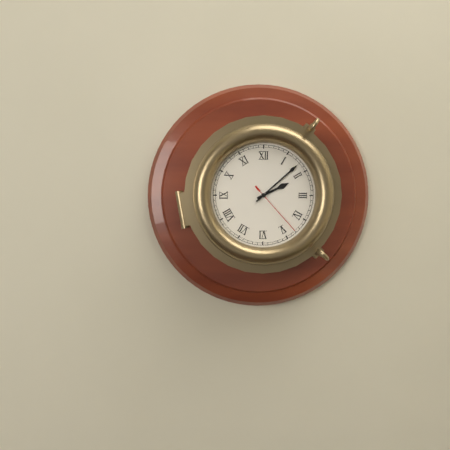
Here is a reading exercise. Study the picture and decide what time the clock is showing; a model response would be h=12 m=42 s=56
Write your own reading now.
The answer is h=2 m=8 s=23
